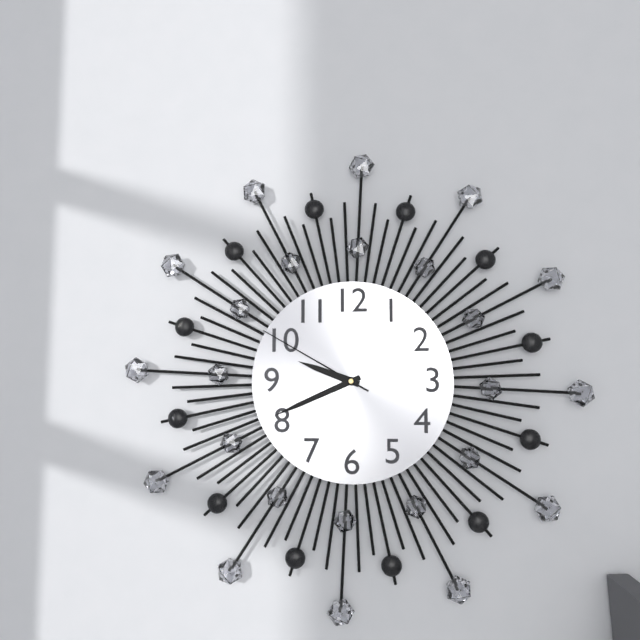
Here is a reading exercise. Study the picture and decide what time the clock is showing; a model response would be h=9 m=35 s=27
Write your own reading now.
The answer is h=9 m=41 s=50
